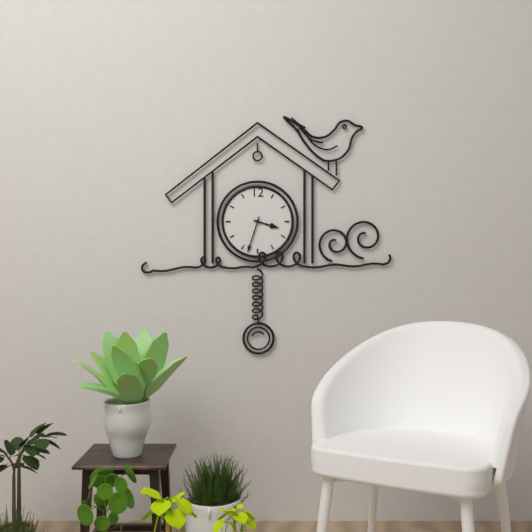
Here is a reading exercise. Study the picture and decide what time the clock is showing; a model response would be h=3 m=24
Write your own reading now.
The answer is h=3 m=33
